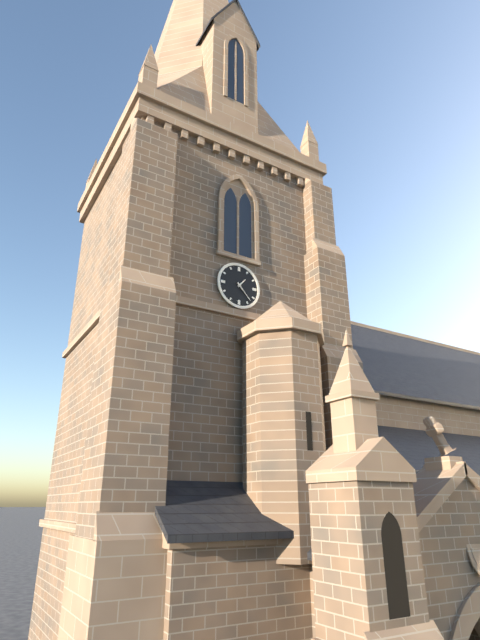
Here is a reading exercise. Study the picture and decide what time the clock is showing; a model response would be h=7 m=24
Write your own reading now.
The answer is h=1 m=23
